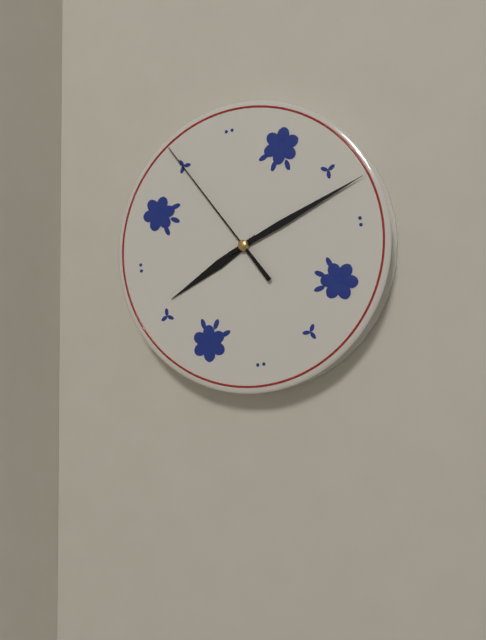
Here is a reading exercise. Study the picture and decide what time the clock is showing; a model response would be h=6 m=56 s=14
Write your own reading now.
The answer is h=8 m=12 s=55
